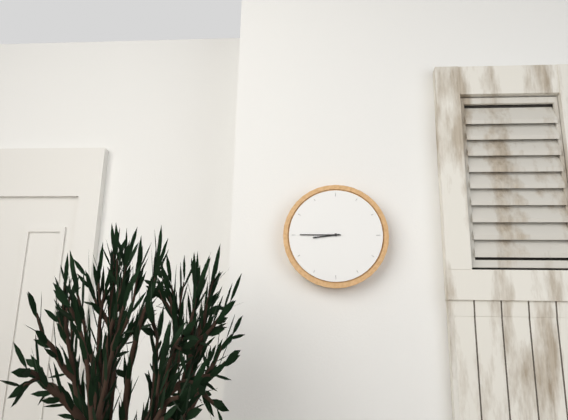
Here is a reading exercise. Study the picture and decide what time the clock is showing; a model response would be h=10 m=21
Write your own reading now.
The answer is h=8 m=45
